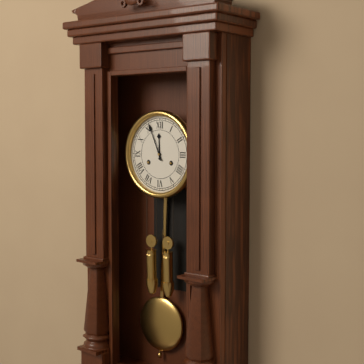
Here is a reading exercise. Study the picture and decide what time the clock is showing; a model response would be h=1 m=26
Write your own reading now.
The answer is h=11 m=56
